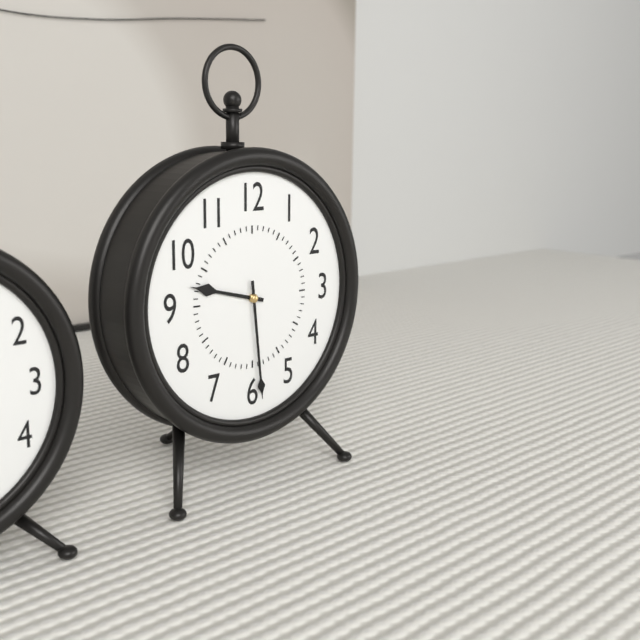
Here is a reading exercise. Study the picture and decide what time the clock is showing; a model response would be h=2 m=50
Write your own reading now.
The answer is h=9 m=29
